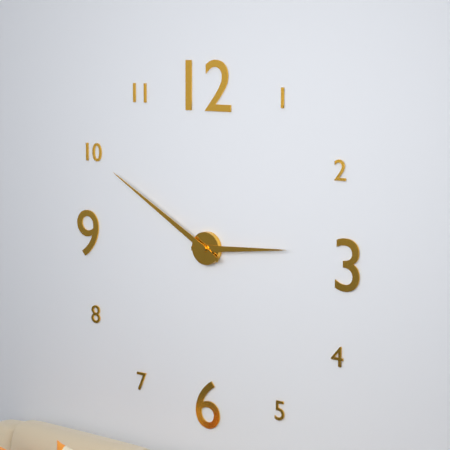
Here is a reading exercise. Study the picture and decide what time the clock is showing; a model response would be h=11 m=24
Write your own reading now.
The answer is h=2 m=50
